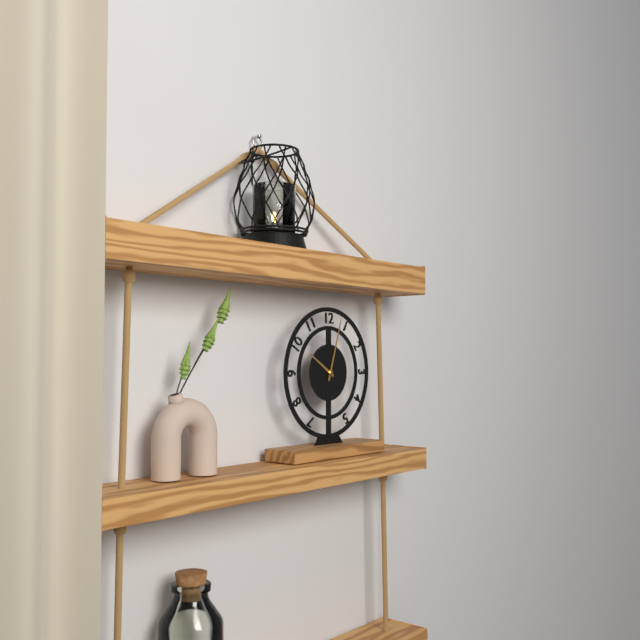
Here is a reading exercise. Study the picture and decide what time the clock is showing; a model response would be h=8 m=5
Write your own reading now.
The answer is h=10 m=3
